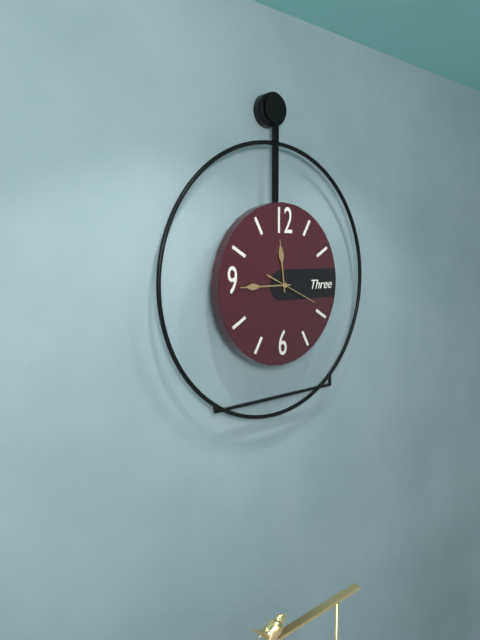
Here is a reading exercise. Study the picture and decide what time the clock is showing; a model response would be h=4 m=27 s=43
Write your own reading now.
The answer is h=11 m=45 s=19
